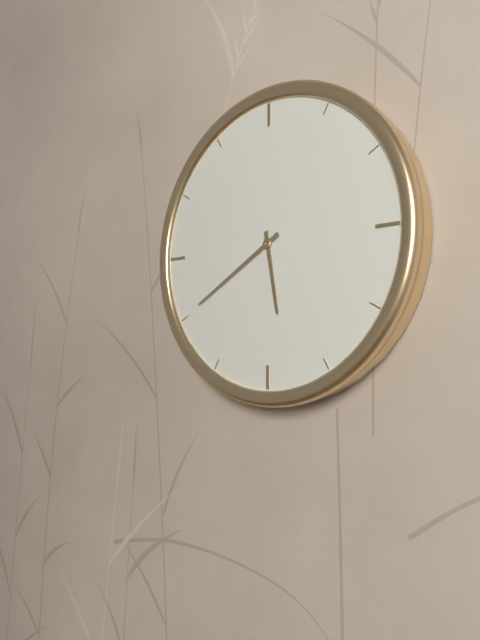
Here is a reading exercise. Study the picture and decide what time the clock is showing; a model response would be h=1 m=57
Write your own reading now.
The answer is h=5 m=40
